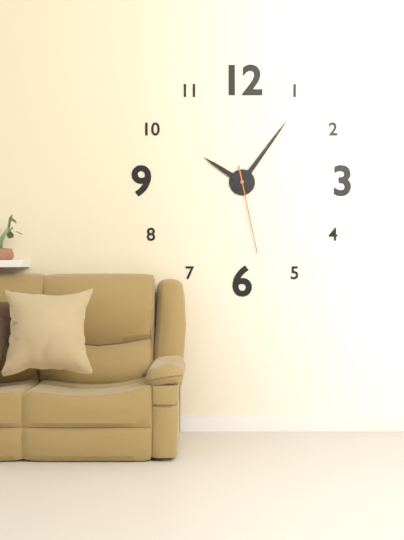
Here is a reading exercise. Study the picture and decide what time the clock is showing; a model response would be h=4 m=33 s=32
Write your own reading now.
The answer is h=10 m=6 s=28
